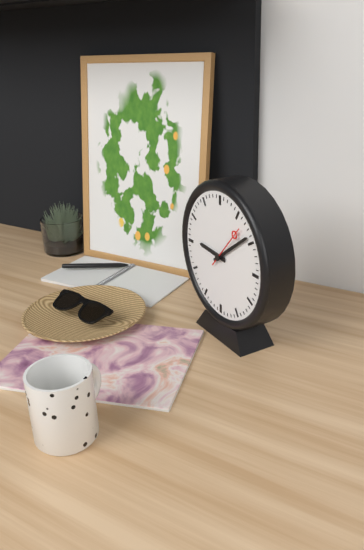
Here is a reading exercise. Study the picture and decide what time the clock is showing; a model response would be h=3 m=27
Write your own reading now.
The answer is h=9 m=9
